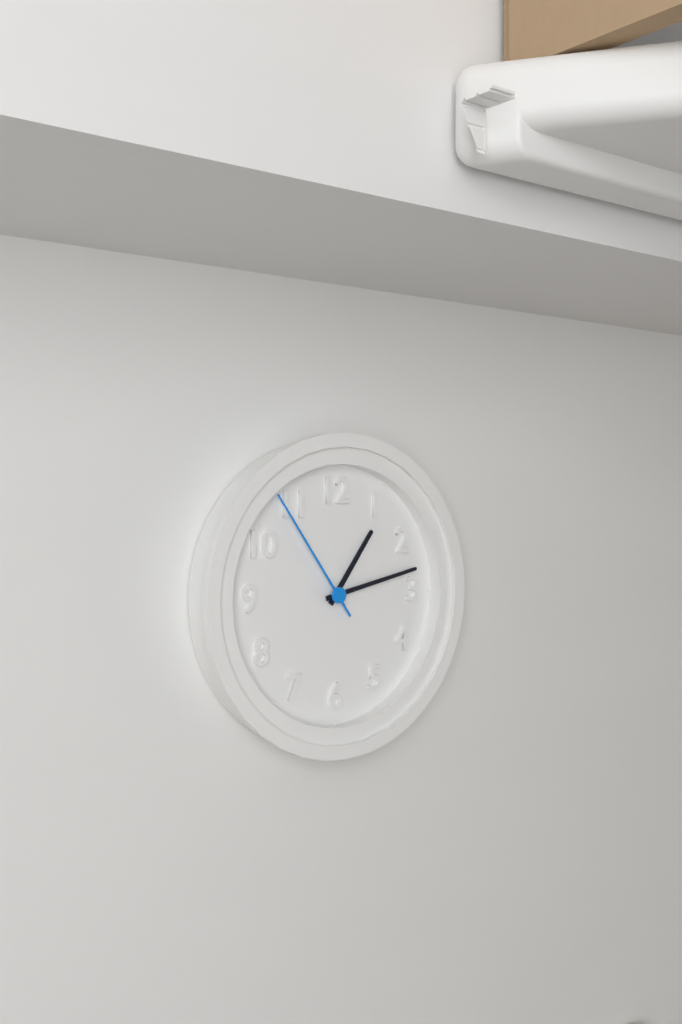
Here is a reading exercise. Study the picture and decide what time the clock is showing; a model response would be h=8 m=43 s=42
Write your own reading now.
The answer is h=1 m=13 s=54
